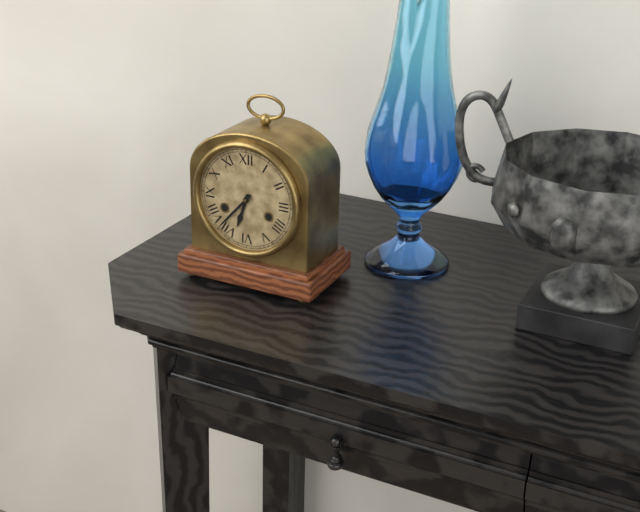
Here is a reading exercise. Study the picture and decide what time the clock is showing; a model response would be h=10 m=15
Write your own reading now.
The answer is h=6 m=37
